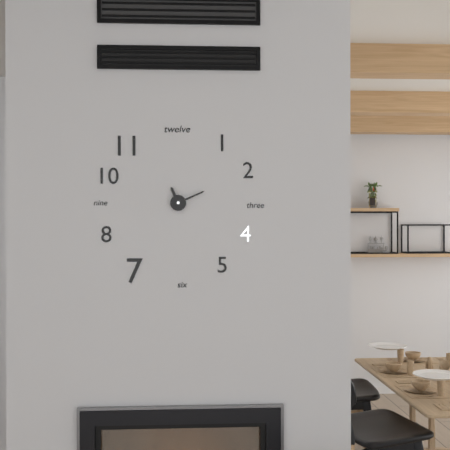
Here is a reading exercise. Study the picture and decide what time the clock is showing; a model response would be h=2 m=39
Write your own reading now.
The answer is h=11 m=11
